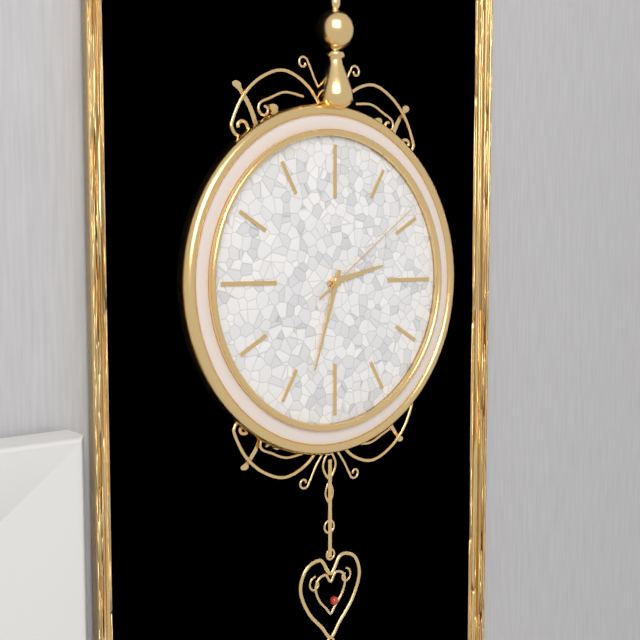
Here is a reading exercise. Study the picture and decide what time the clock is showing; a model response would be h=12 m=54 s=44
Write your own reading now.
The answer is h=2 m=33 s=9
